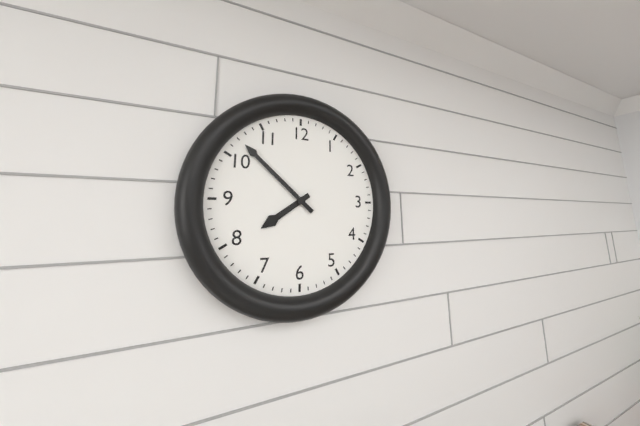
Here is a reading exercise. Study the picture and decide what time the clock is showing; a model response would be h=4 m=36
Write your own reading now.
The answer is h=7 m=52
